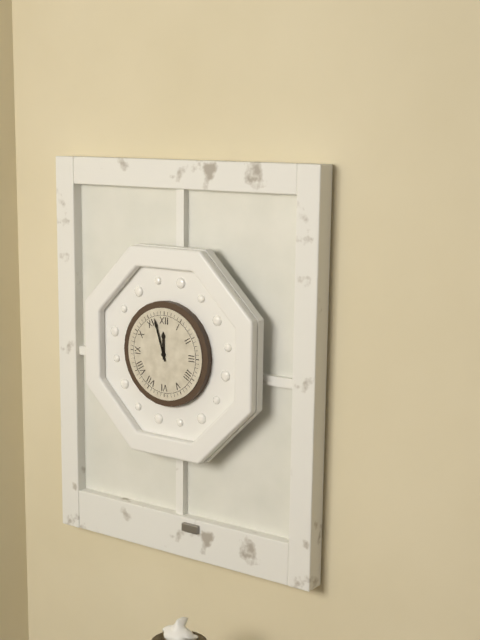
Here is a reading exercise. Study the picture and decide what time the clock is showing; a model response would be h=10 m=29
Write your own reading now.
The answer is h=11 m=57
